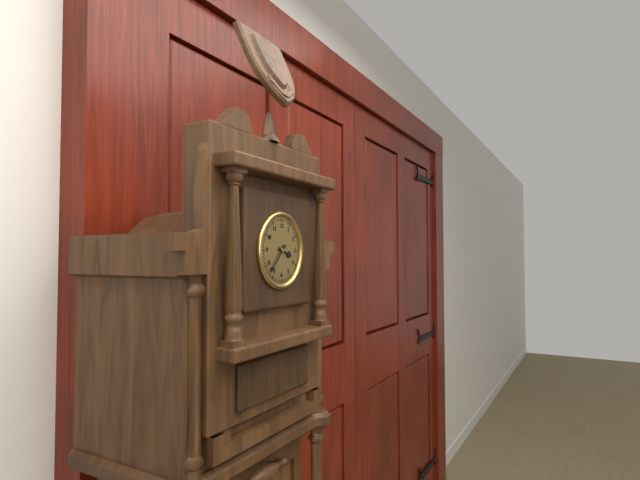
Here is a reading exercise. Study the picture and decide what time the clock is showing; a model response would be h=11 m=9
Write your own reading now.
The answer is h=3 m=37
